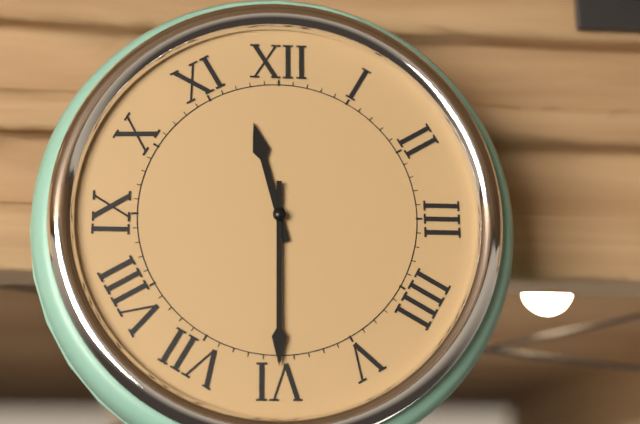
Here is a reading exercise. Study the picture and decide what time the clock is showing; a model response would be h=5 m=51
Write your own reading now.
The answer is h=11 m=30
